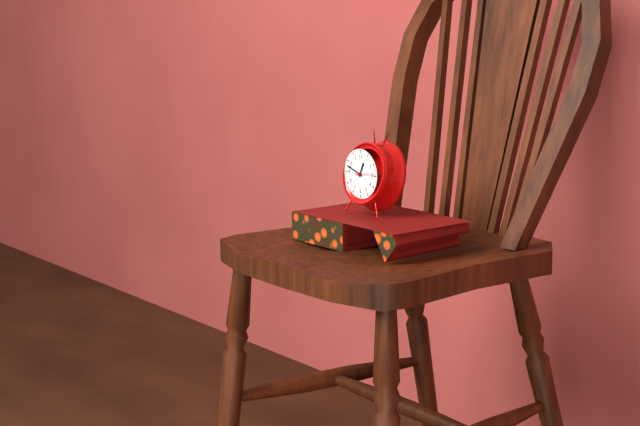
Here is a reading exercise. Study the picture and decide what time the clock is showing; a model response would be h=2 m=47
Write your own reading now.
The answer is h=12 m=48
